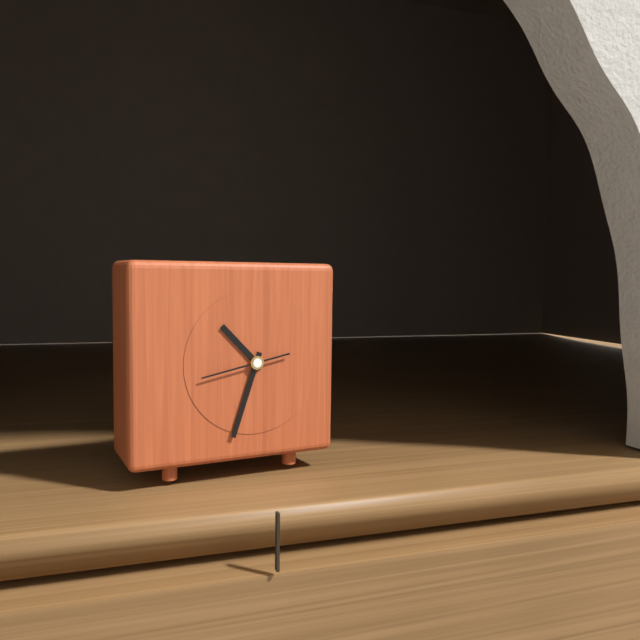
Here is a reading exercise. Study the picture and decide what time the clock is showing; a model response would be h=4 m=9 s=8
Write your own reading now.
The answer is h=10 m=33 s=43
